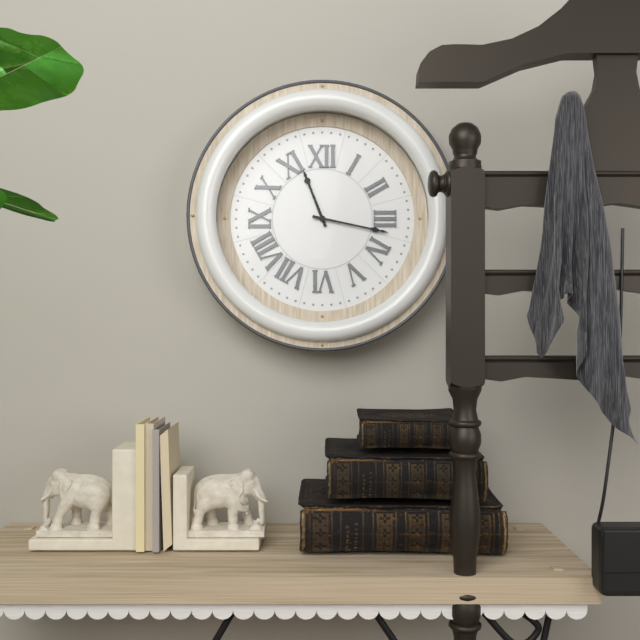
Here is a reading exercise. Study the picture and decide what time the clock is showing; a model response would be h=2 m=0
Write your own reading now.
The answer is h=11 m=17
